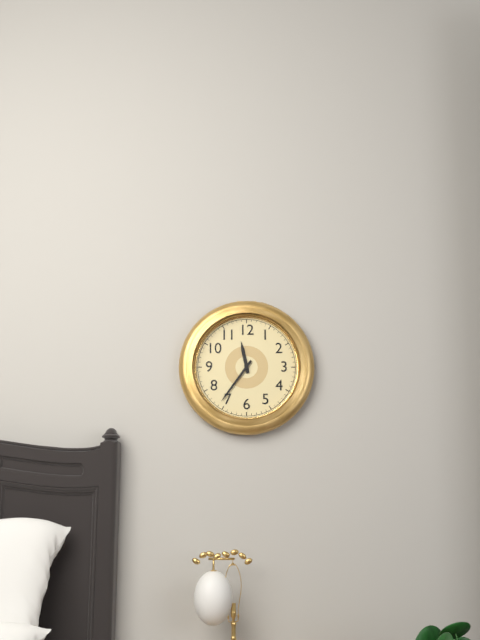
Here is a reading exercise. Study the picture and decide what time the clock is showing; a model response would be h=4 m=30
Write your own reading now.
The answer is h=11 m=36
